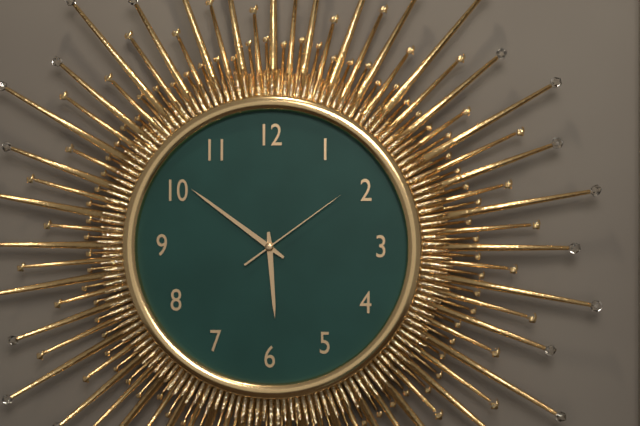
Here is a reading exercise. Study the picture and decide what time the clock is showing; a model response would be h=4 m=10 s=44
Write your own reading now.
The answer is h=5 m=51 s=9
